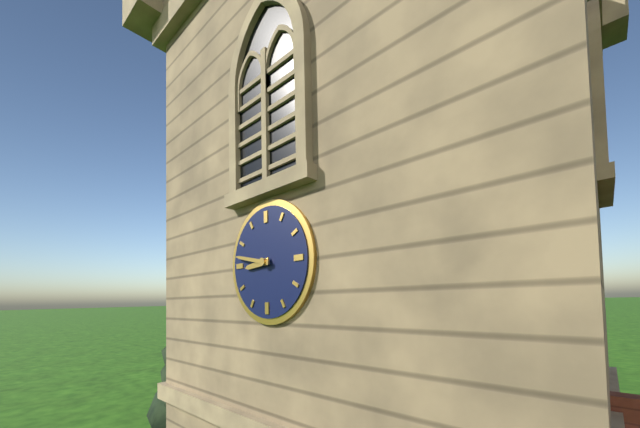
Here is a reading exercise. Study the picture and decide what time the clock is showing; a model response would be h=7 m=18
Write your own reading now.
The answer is h=8 m=47
